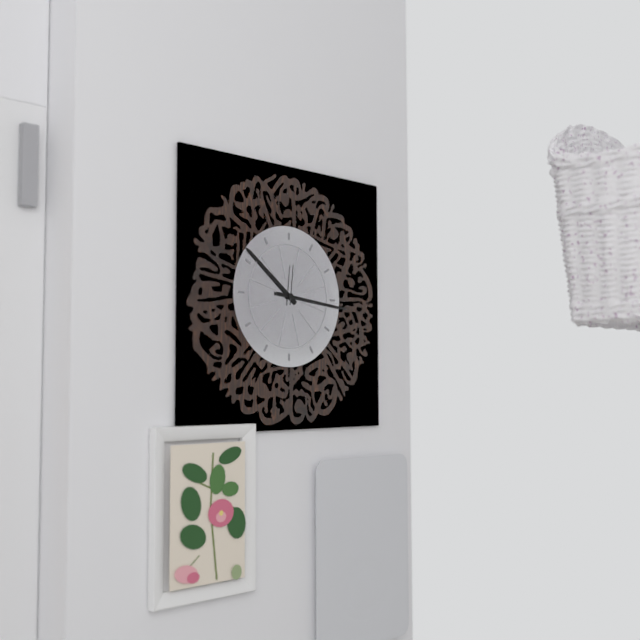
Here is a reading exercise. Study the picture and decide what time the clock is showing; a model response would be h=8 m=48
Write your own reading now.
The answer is h=10 m=16
